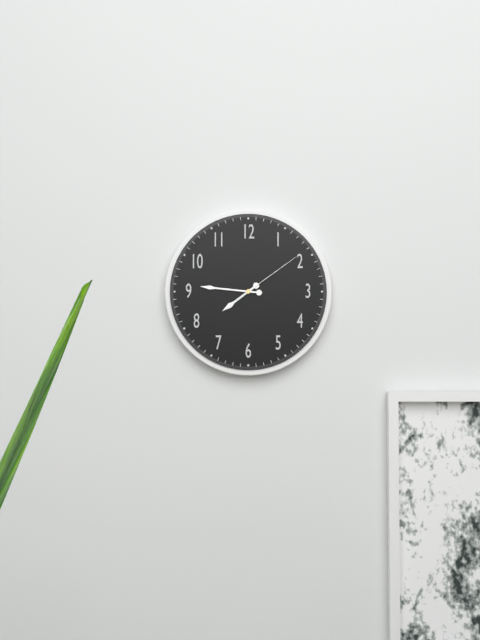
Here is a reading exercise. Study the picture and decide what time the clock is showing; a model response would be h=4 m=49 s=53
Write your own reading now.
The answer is h=7 m=46 s=9
